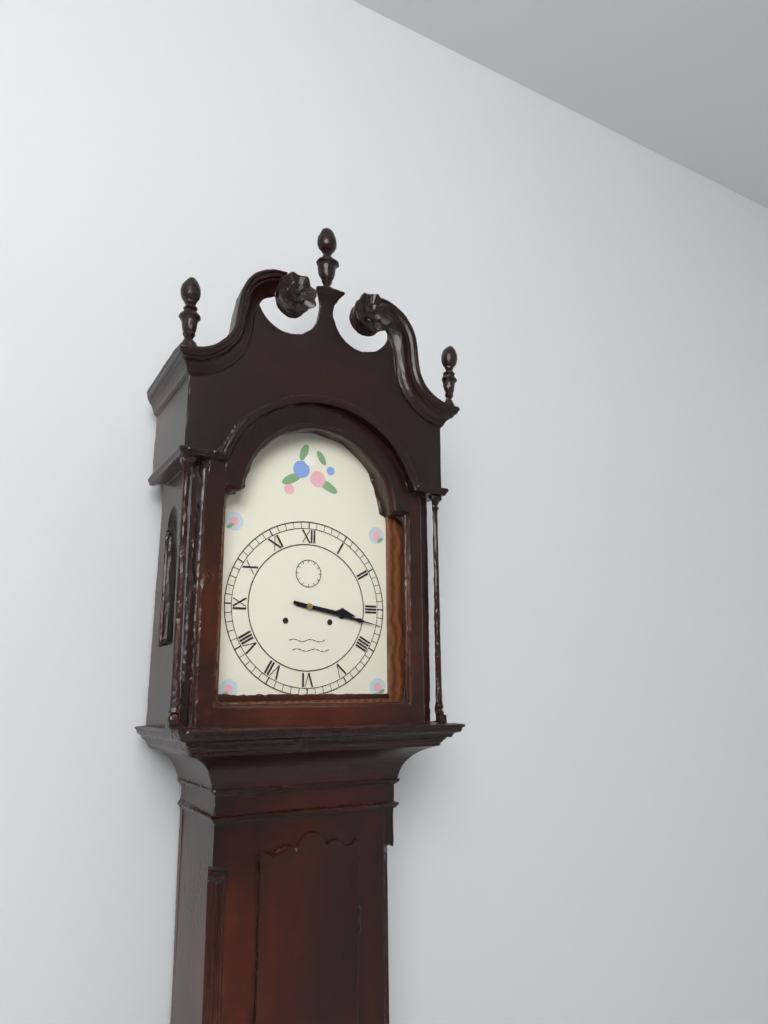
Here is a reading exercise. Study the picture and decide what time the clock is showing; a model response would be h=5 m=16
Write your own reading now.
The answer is h=3 m=17
